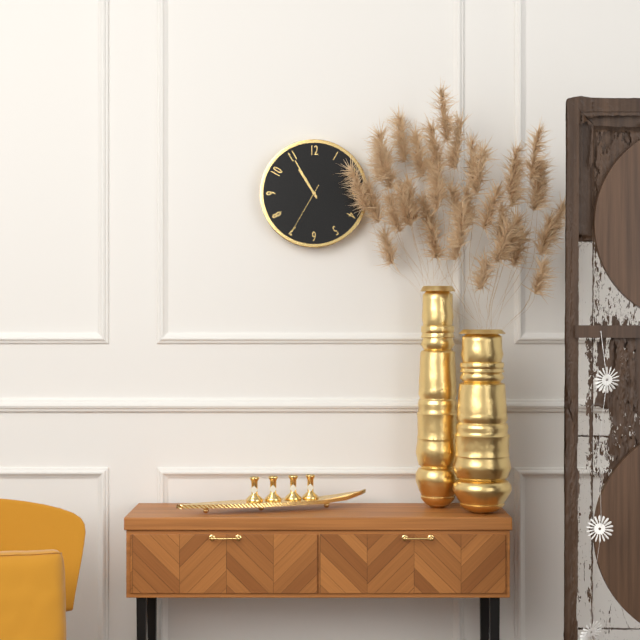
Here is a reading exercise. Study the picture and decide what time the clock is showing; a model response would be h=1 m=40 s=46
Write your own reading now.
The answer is h=10 m=55 s=35
